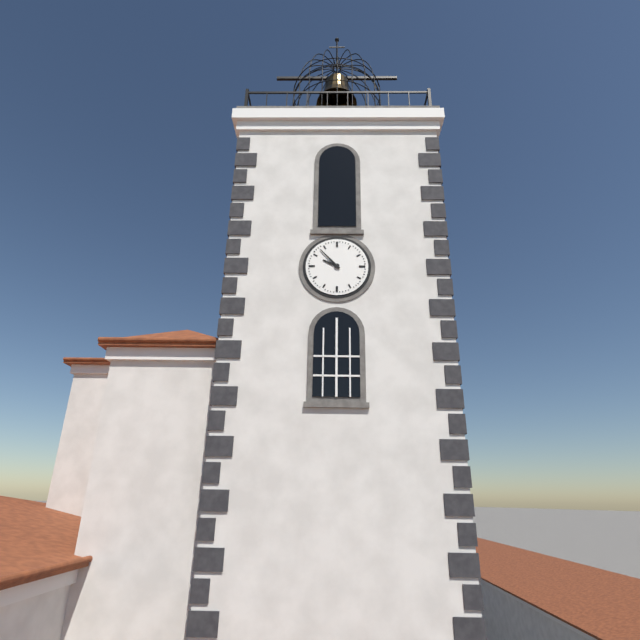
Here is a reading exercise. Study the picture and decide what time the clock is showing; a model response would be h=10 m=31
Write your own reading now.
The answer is h=9 m=53
